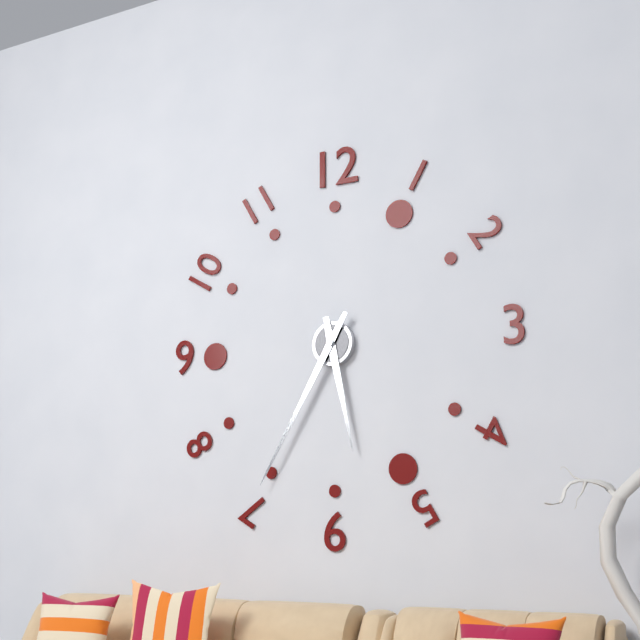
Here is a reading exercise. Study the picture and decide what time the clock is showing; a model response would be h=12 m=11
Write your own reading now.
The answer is h=5 m=35
